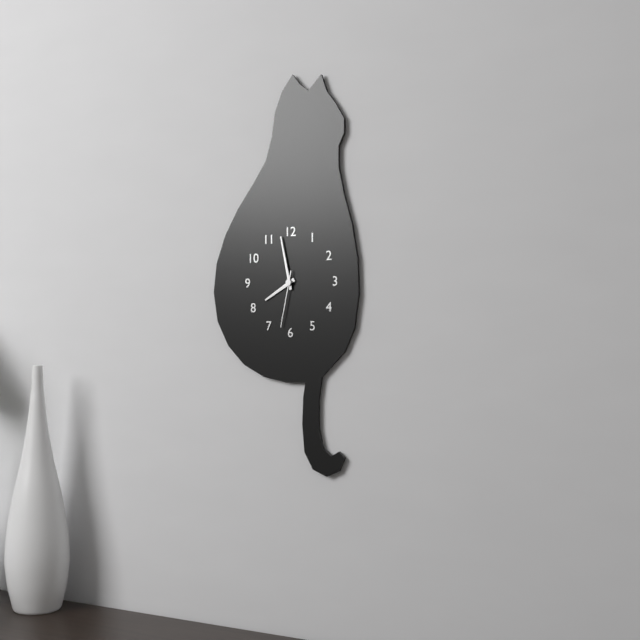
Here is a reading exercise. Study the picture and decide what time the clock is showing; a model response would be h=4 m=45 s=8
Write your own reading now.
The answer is h=7 m=58 s=32
